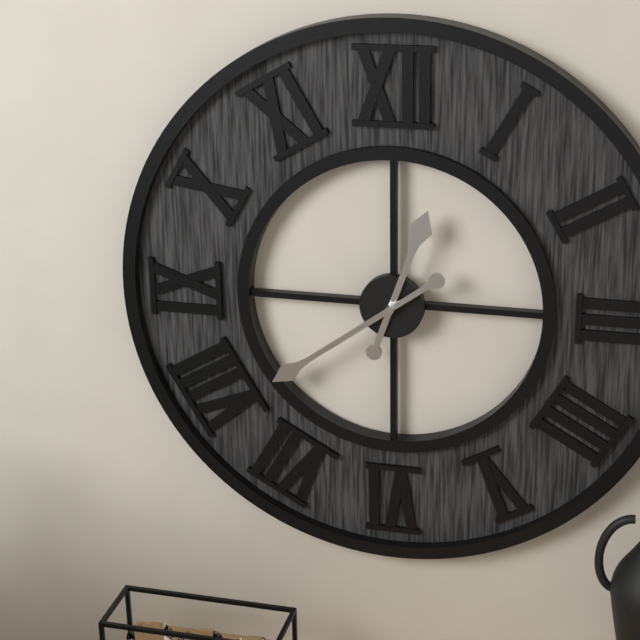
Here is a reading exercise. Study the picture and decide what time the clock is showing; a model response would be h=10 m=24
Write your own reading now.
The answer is h=12 m=39
